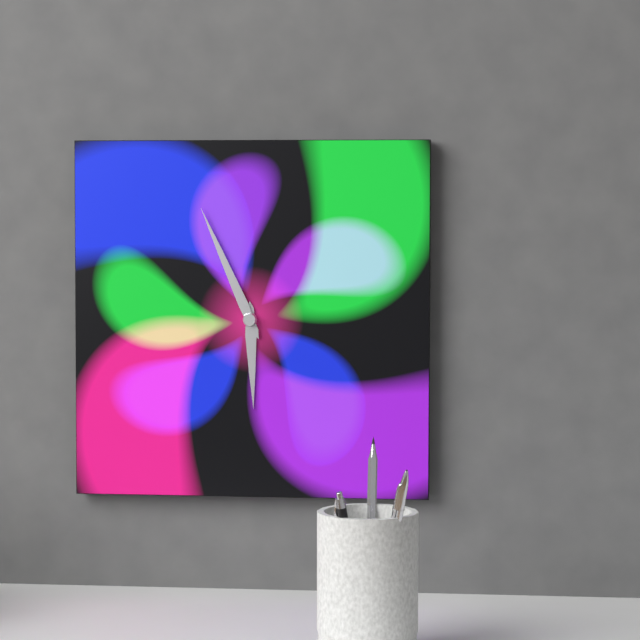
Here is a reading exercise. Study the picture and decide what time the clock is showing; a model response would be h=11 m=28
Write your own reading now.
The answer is h=5 m=56
